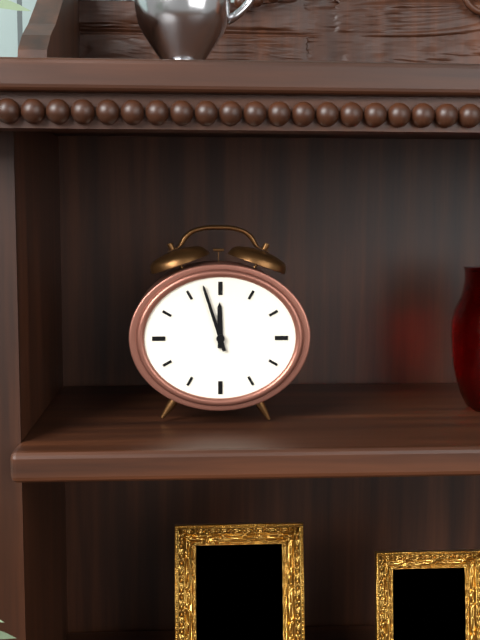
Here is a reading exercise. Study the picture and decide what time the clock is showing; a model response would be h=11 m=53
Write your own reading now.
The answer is h=11 m=57
